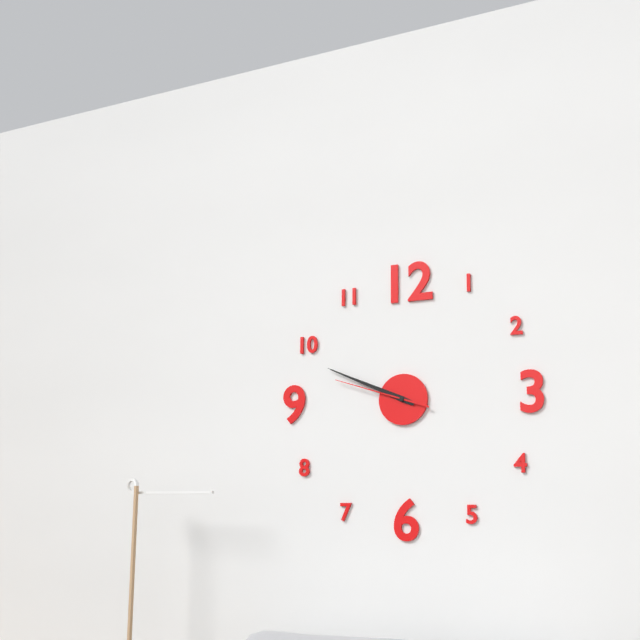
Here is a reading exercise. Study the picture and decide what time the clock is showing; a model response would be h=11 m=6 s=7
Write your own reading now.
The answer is h=9 m=49 s=48
